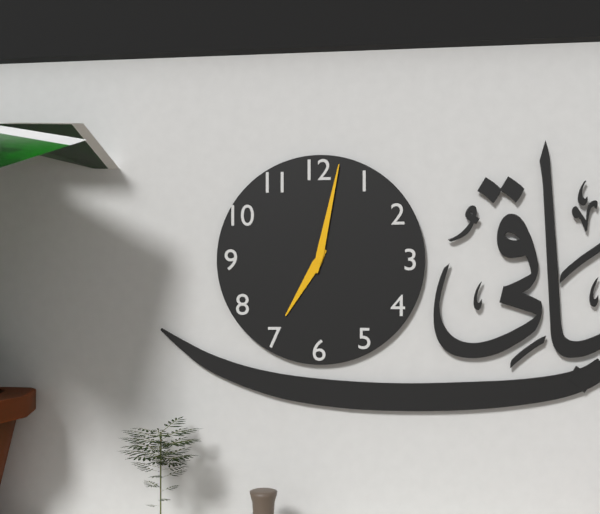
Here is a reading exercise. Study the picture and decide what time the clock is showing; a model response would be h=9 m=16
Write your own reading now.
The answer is h=7 m=2
